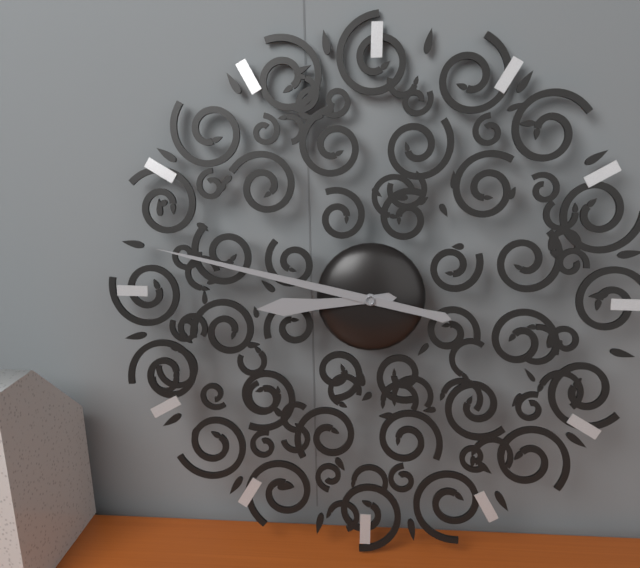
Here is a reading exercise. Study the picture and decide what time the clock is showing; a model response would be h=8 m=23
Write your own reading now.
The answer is h=8 m=47
